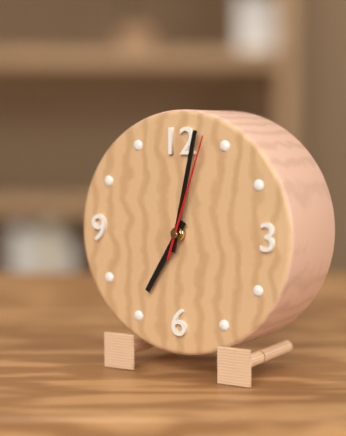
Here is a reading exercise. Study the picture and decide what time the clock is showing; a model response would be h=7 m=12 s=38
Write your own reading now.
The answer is h=7 m=2 s=3
